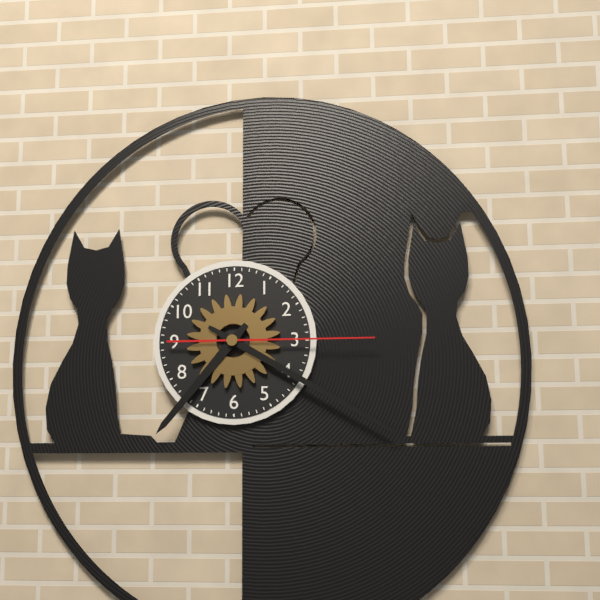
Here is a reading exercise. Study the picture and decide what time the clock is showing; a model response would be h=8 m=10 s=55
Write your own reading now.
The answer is h=7 m=20 s=15
